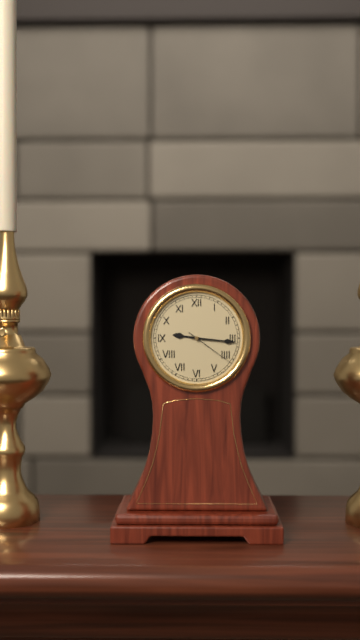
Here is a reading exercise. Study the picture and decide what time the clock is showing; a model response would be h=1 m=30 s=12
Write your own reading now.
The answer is h=9 m=16 s=21
